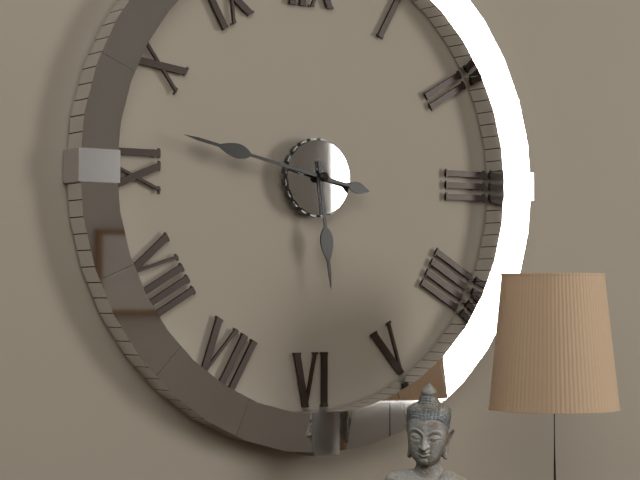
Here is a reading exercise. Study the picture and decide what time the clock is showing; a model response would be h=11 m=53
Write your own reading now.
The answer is h=5 m=47
